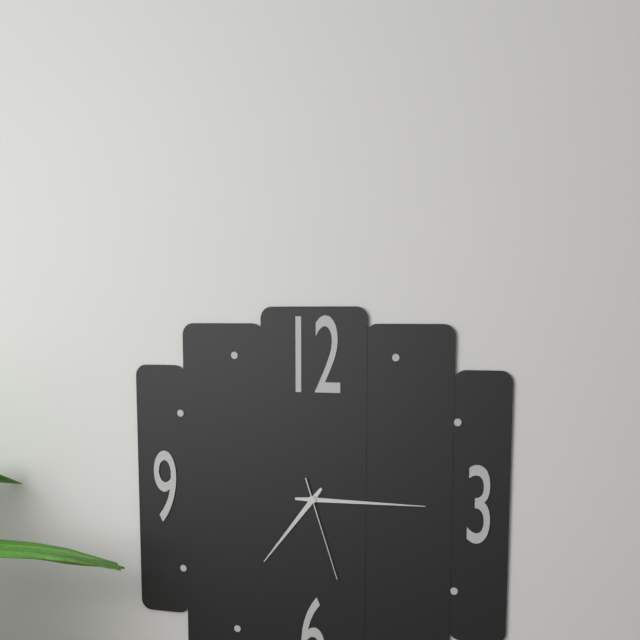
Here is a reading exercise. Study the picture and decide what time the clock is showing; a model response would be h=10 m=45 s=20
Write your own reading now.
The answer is h=7 m=15 s=27
